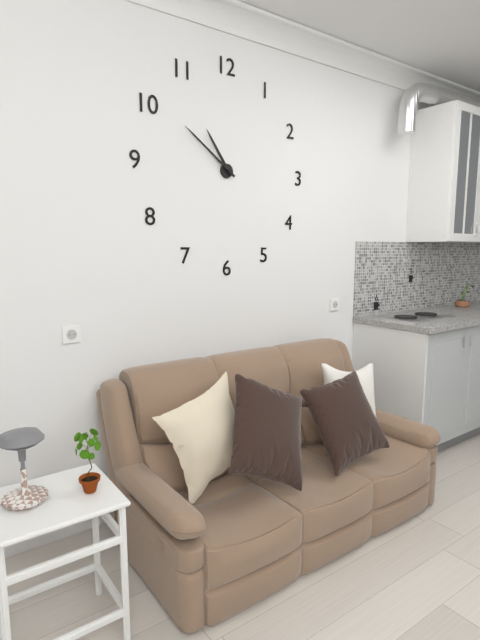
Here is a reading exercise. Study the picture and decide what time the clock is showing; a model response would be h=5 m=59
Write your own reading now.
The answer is h=10 m=51
